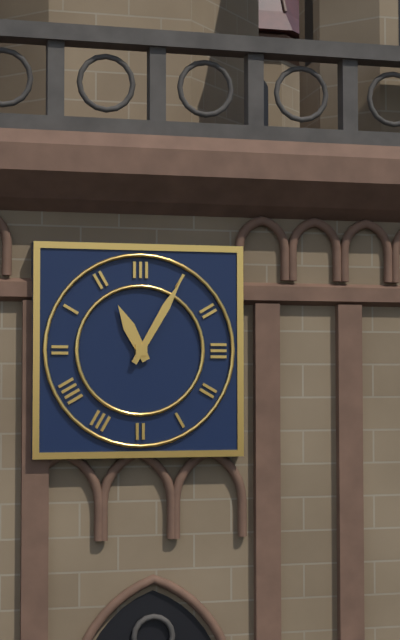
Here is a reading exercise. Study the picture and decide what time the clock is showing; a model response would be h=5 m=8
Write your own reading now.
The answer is h=11 m=5
